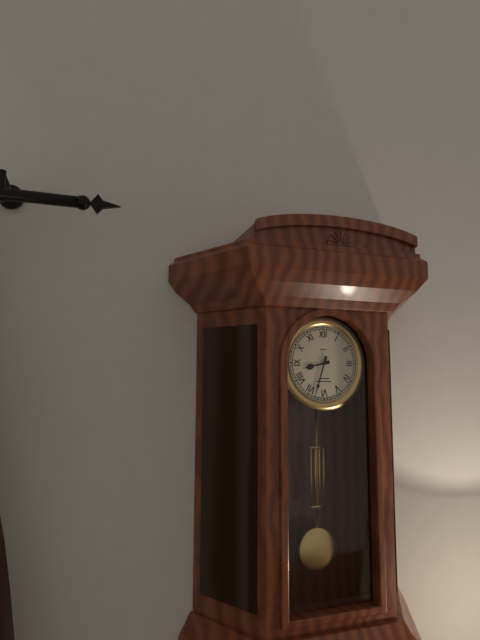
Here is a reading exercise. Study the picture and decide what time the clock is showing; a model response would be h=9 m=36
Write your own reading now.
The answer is h=8 m=33
